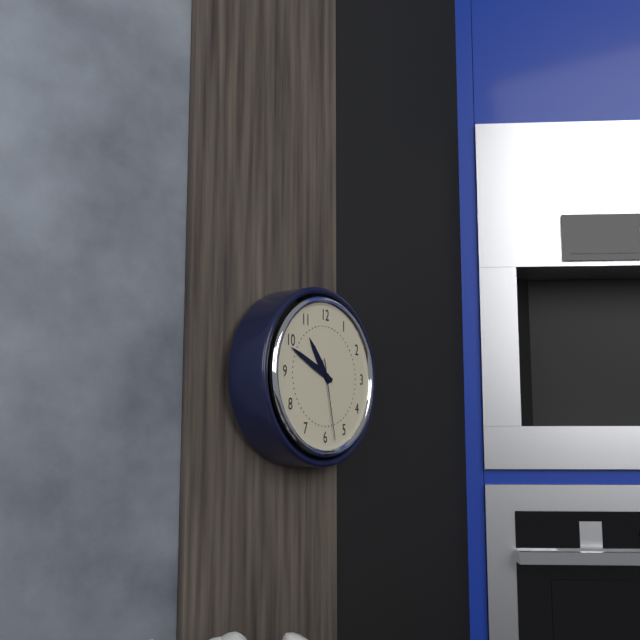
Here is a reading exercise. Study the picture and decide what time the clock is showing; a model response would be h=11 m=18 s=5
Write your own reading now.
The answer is h=10 m=49 s=28
